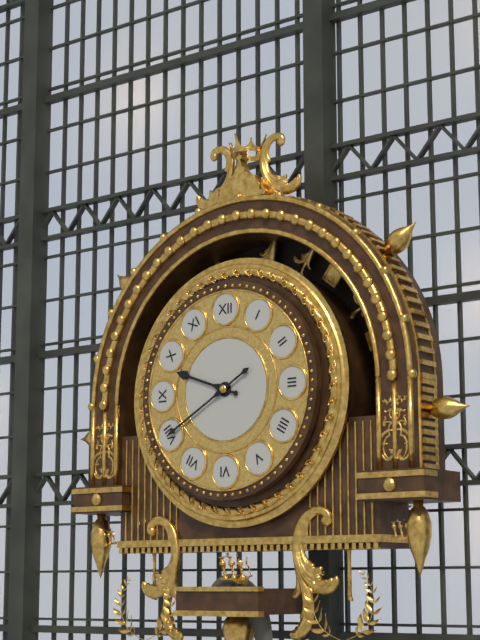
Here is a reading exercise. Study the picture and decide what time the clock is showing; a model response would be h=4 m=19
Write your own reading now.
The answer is h=9 m=40
